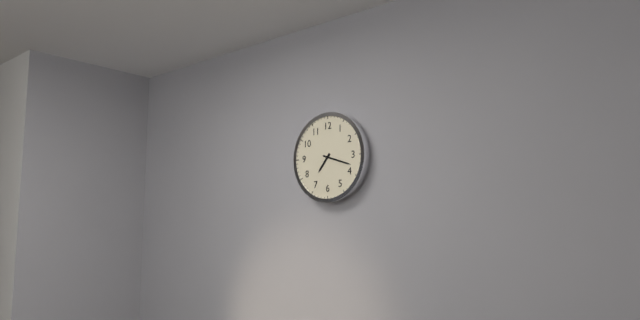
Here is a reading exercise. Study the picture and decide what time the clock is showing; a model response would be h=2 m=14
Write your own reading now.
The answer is h=7 m=18
